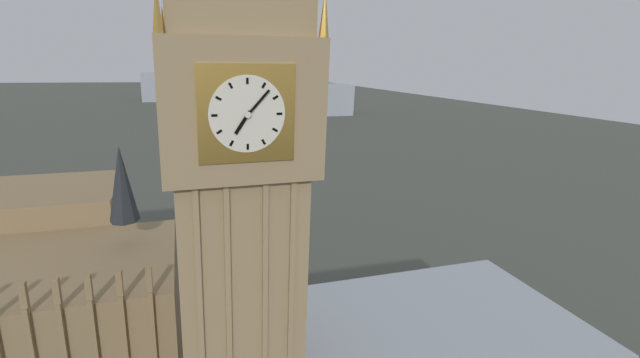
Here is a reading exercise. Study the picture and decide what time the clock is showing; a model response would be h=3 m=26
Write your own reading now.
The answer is h=7 m=7
